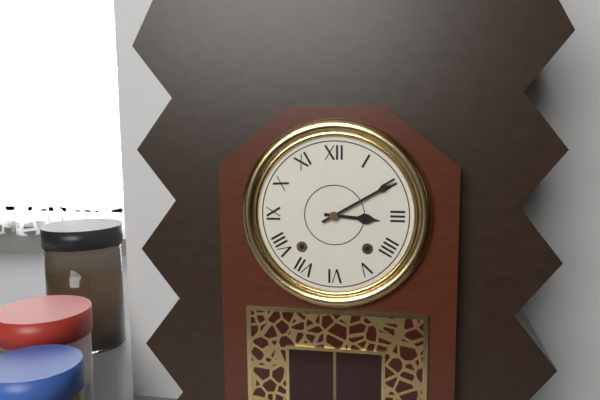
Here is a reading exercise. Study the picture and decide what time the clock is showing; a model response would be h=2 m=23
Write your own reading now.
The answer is h=3 m=10
